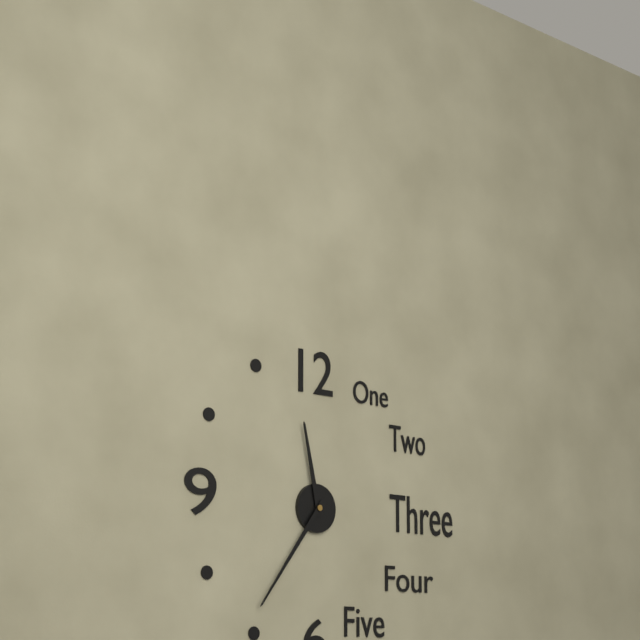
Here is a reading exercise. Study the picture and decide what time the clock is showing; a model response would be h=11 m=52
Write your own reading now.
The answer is h=11 m=36
